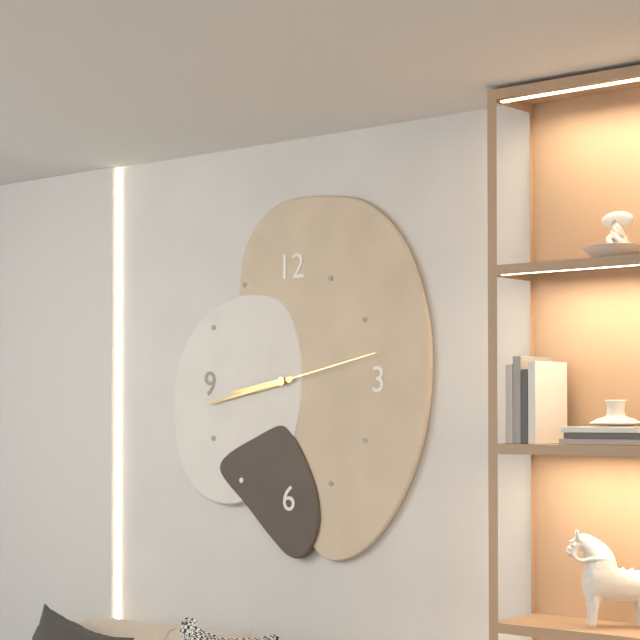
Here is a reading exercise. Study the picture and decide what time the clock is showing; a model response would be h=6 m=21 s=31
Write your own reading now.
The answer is h=8 m=43 s=13
